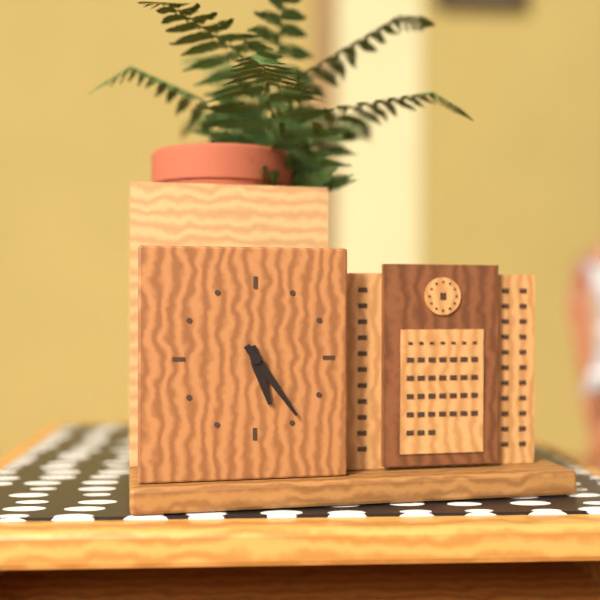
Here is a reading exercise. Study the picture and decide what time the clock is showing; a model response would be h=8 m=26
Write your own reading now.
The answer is h=5 m=24
